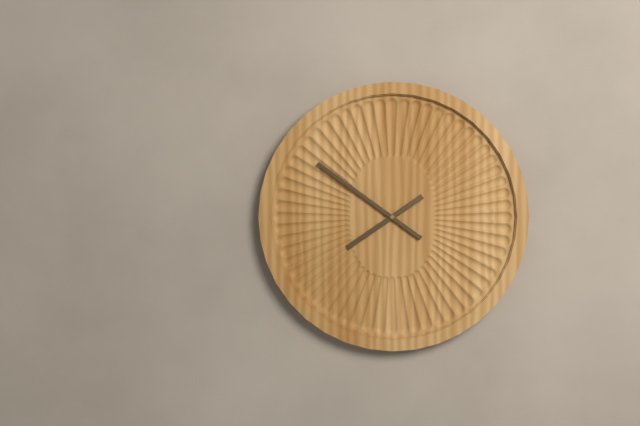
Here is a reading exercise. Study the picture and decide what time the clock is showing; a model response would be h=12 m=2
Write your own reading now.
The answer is h=7 m=51
